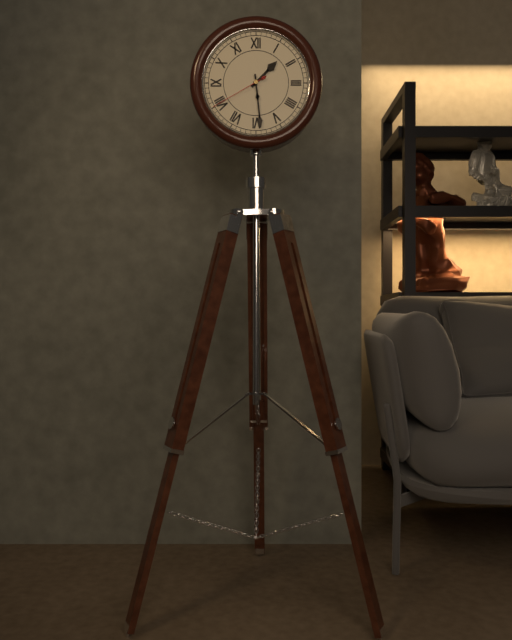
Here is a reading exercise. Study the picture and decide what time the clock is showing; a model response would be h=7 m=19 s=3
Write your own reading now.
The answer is h=1 m=29 s=40
